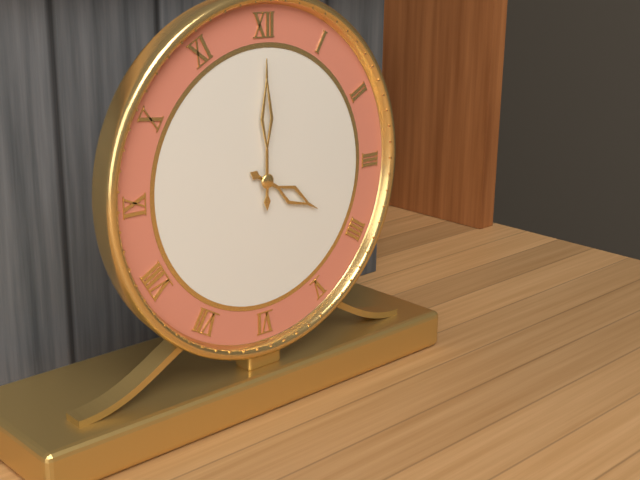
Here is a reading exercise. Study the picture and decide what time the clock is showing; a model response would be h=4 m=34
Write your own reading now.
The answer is h=4 m=0
